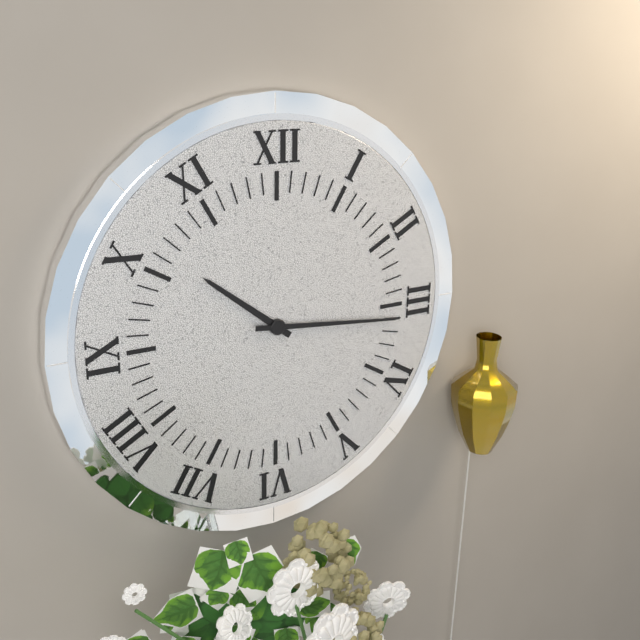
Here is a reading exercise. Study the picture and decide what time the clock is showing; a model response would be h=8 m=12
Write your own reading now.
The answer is h=10 m=16
